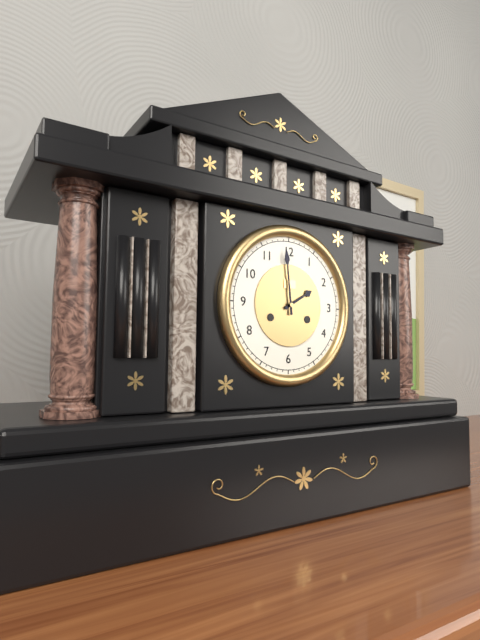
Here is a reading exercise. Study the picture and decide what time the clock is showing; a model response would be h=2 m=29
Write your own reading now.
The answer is h=1 m=59
